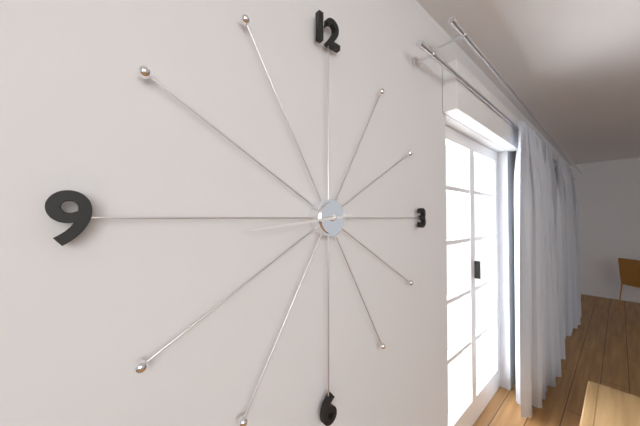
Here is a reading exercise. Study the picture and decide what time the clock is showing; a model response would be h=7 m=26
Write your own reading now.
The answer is h=2 m=44
